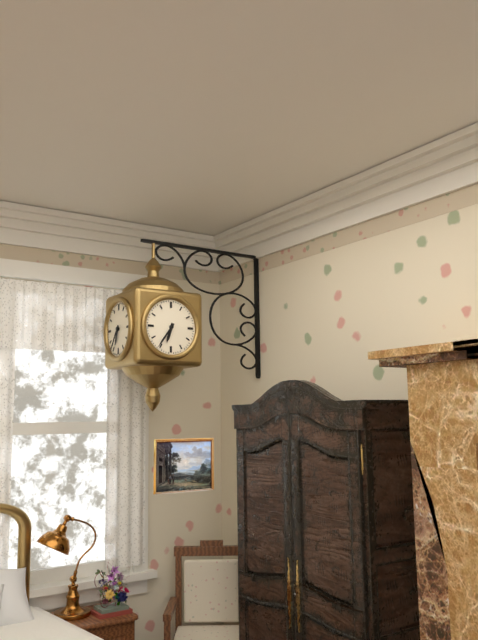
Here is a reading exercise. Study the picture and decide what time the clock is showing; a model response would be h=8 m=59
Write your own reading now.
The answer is h=6 m=36
